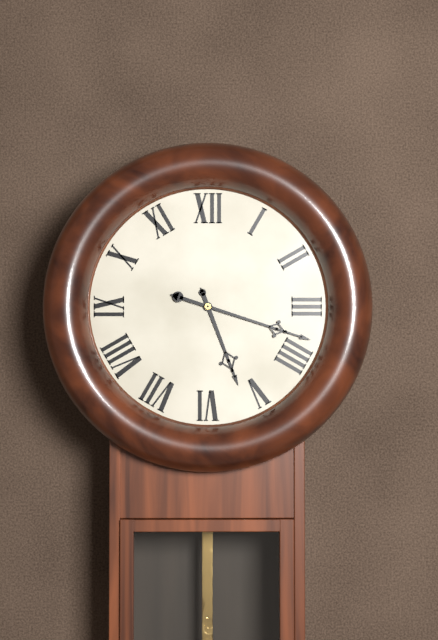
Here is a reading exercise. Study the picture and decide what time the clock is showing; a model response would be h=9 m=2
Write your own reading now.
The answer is h=5 m=18
